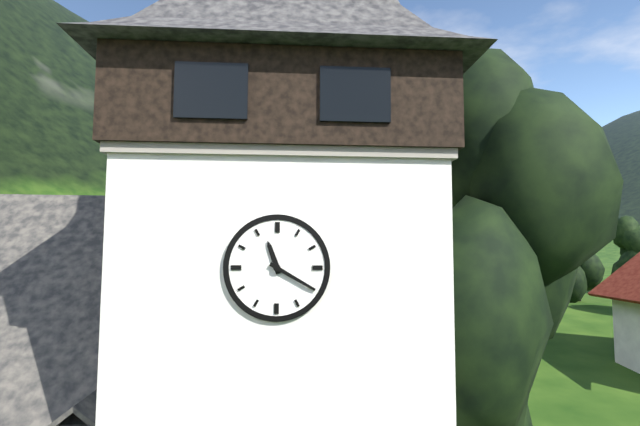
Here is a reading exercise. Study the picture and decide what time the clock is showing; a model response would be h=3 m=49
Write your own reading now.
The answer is h=11 m=20
